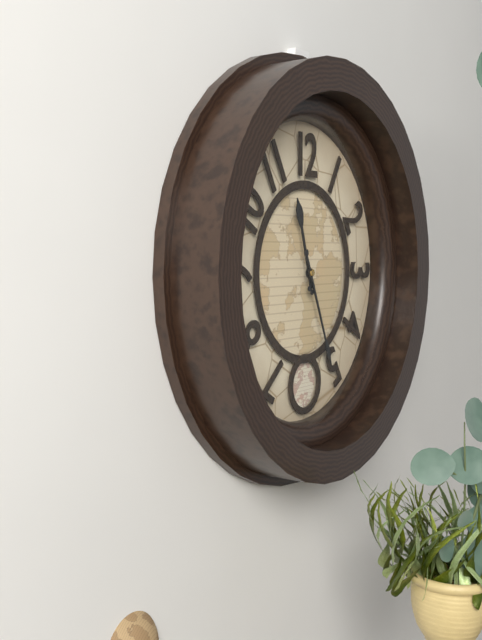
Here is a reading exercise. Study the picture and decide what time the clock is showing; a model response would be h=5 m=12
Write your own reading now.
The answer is h=11 m=26
